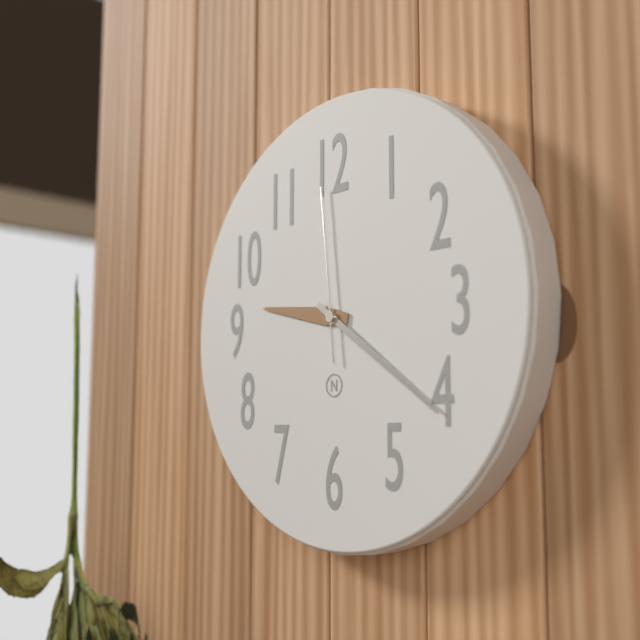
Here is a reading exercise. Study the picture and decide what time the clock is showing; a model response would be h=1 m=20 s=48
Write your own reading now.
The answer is h=9 m=21 s=59
